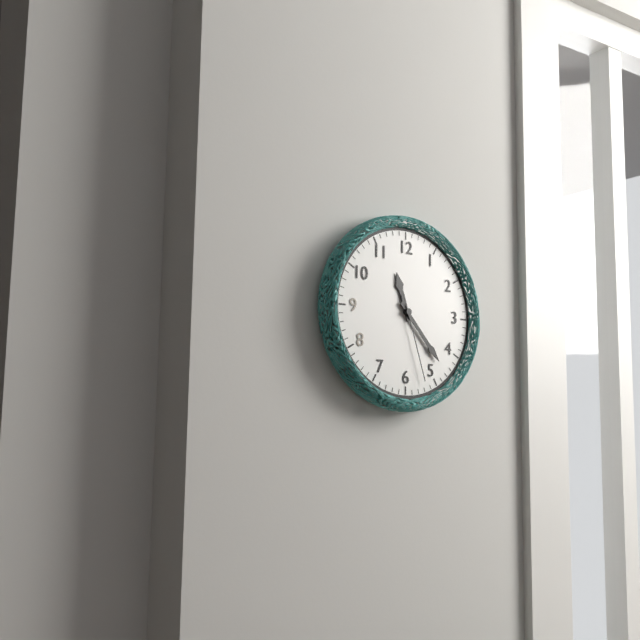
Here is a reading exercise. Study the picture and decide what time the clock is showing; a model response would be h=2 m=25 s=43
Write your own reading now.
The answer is h=11 m=23 s=27
